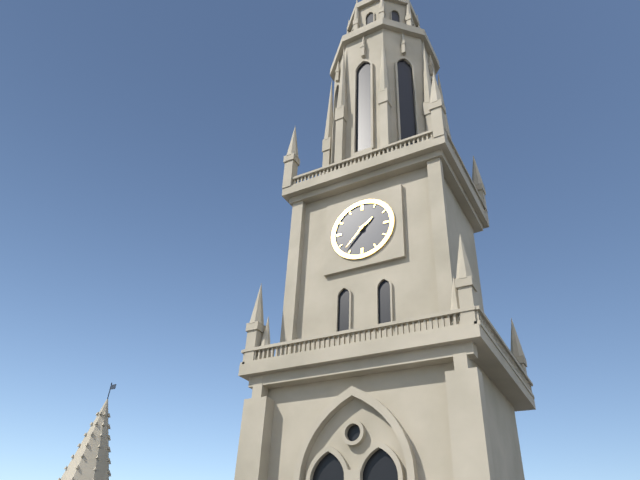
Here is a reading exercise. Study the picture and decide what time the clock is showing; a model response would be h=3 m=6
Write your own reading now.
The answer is h=1 m=37
